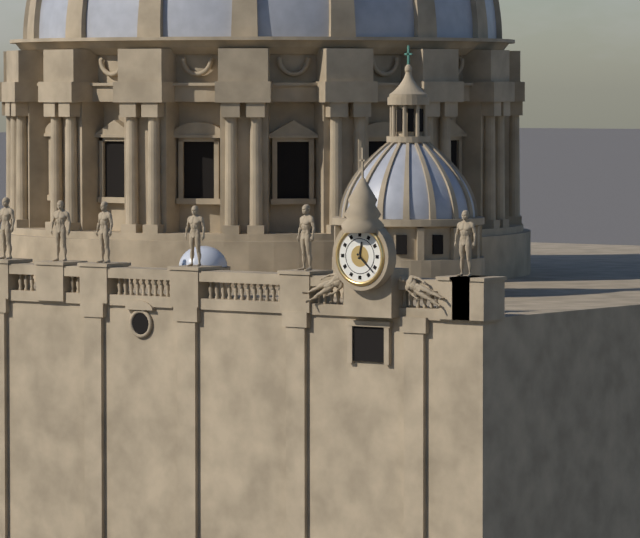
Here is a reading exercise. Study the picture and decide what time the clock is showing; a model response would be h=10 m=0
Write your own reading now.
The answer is h=12 m=22
